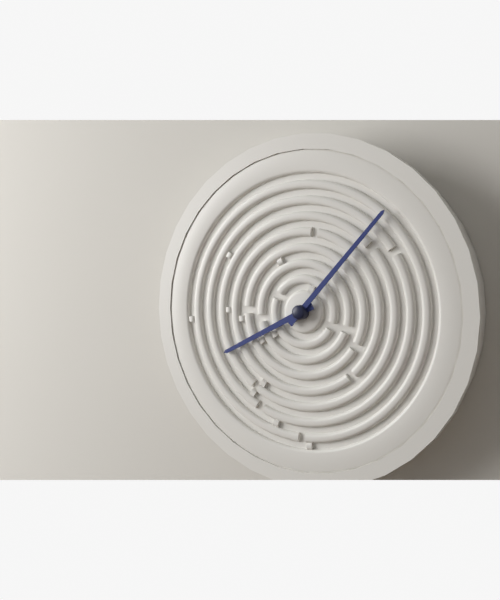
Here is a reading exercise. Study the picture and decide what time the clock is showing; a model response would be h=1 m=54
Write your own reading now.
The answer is h=8 m=7
